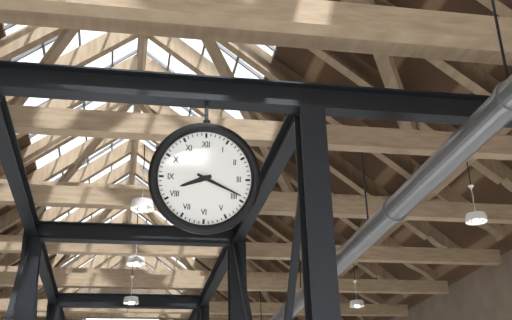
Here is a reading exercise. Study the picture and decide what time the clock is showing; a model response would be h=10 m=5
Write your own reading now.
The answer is h=8 m=19
